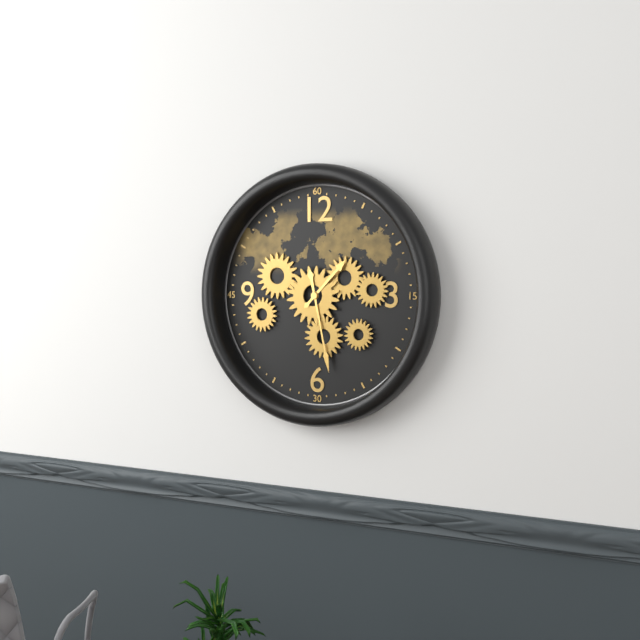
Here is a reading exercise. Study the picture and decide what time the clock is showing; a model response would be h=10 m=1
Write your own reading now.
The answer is h=1 m=28
